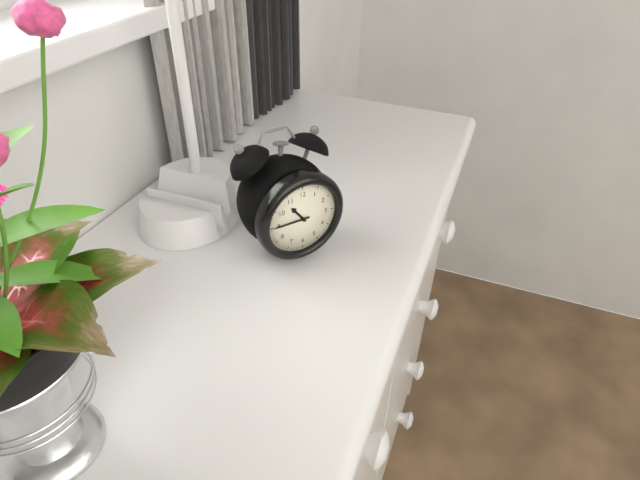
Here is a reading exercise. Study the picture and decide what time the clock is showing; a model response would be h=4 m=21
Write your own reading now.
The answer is h=10 m=45
